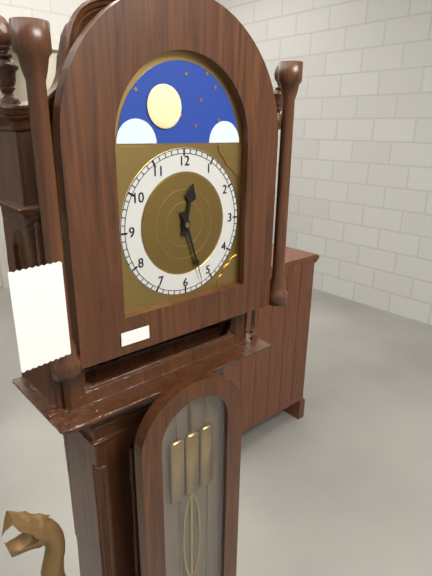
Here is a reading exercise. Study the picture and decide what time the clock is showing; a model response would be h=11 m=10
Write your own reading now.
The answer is h=12 m=27
